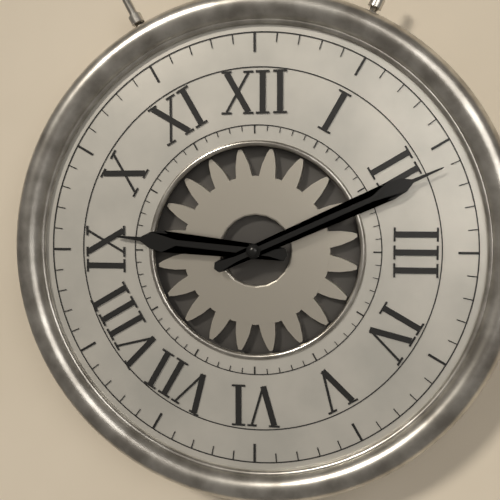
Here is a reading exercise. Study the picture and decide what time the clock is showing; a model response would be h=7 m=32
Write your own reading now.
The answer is h=9 m=11
